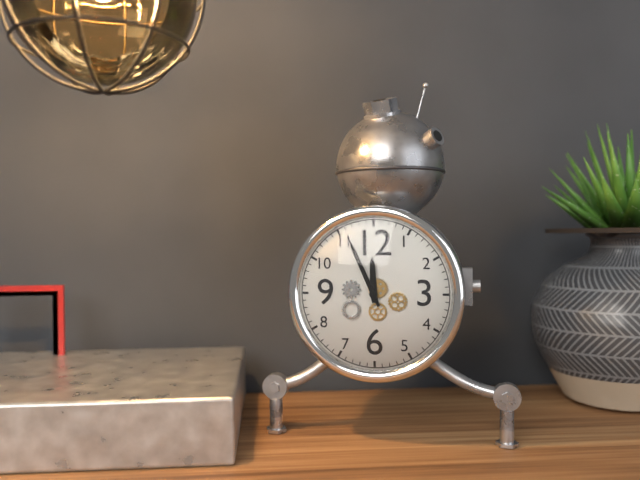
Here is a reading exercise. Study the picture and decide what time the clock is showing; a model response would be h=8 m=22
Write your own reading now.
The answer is h=11 m=56
